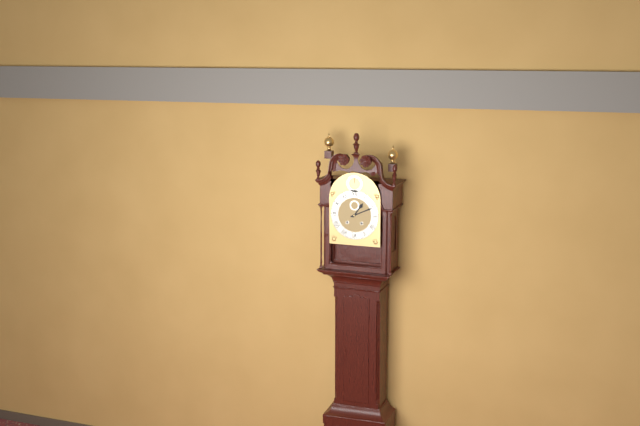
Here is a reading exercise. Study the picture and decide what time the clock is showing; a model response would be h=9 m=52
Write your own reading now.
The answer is h=1 m=11
